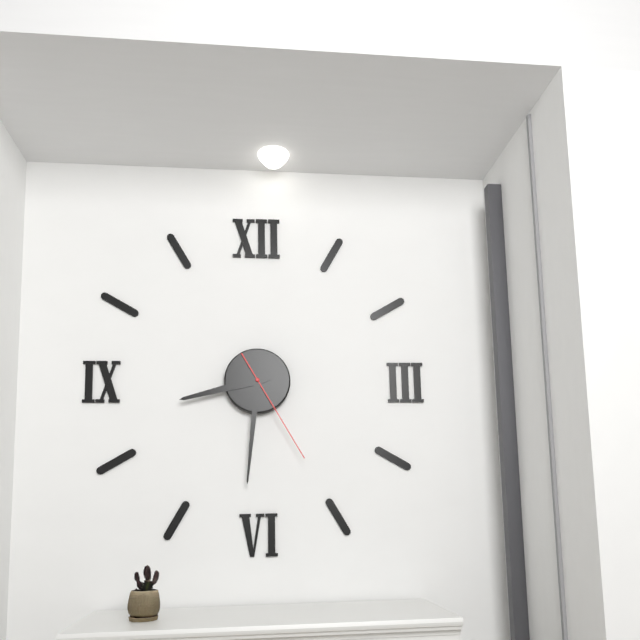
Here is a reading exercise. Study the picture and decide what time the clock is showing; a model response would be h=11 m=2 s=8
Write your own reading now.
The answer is h=8 m=31 s=25
